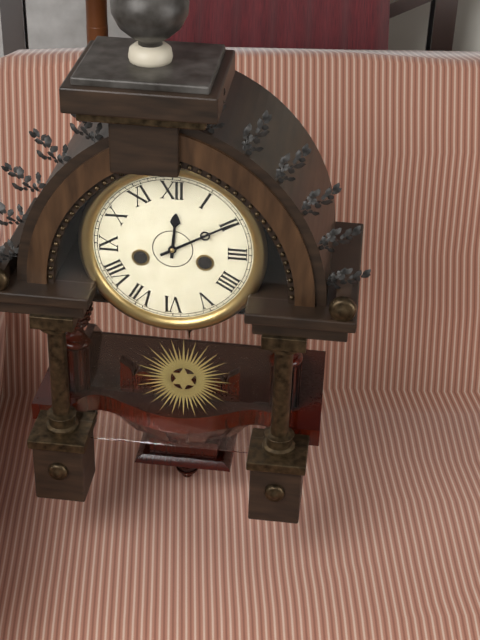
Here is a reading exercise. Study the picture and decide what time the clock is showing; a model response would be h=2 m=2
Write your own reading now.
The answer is h=12 m=10
